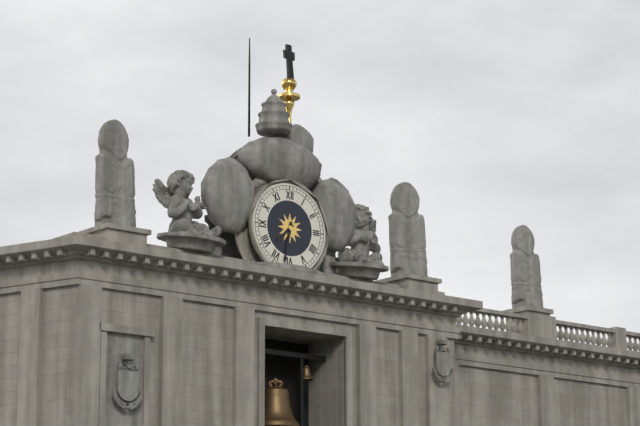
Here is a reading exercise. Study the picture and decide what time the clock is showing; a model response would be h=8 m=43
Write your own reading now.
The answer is h=7 m=32
